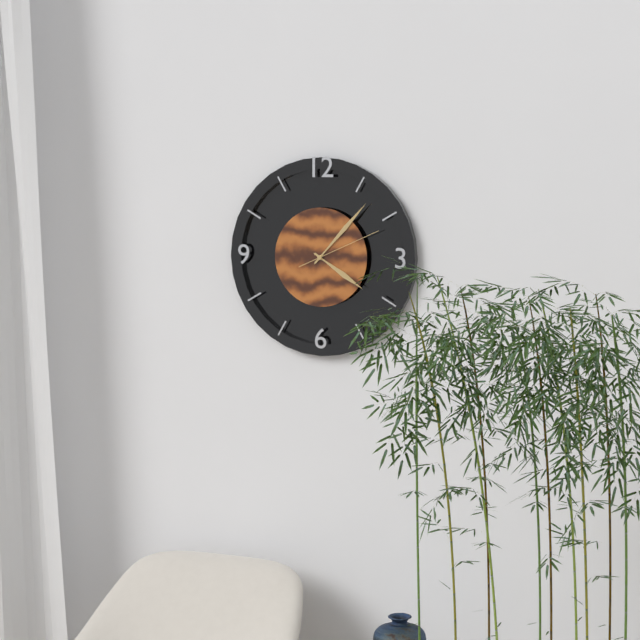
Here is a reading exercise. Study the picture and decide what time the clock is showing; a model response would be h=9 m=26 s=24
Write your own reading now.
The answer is h=4 m=7 s=11
